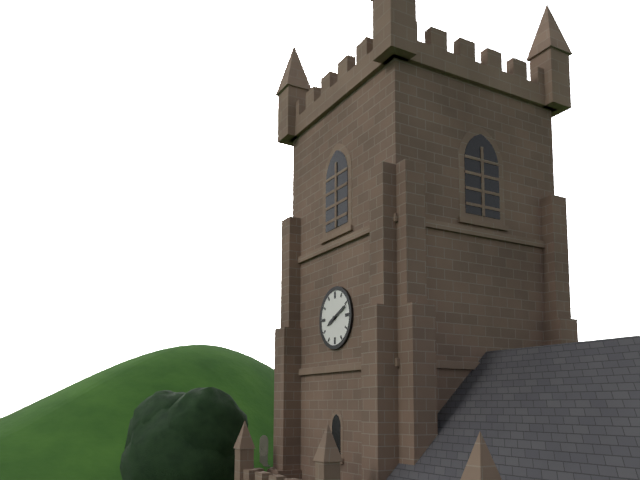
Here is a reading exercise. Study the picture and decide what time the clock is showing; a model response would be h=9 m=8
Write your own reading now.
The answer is h=8 m=11
